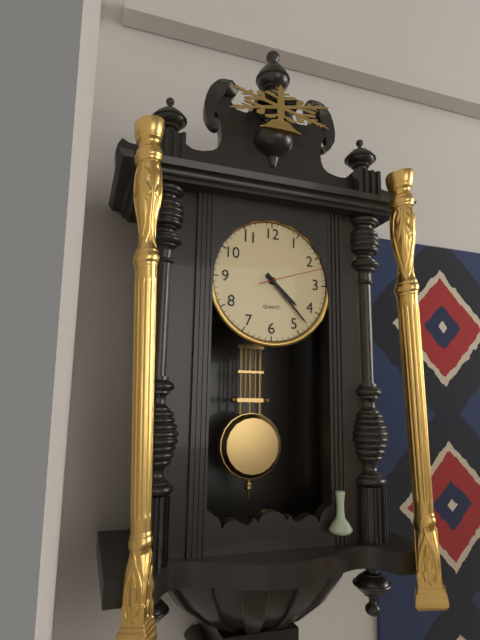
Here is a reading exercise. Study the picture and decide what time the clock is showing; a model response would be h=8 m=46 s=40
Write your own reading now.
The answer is h=4 m=23 s=12
